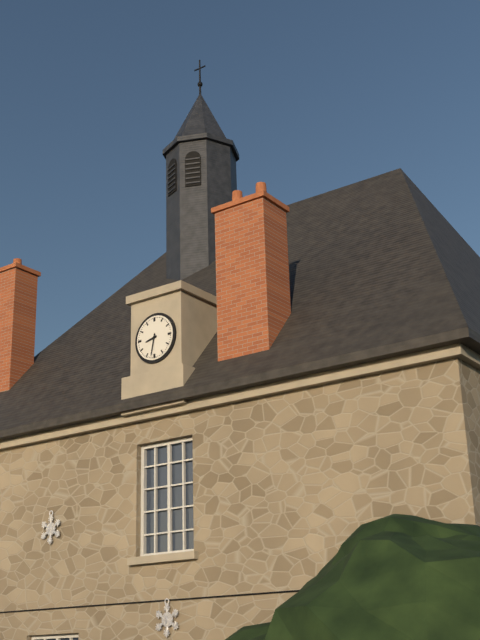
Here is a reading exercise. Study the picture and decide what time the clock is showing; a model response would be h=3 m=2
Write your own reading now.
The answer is h=8 m=32
